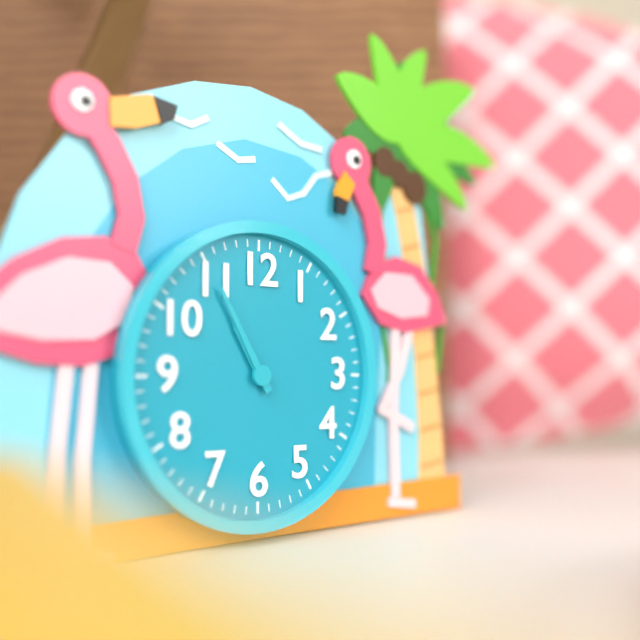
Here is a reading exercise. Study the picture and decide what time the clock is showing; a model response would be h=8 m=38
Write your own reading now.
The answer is h=10 m=55
